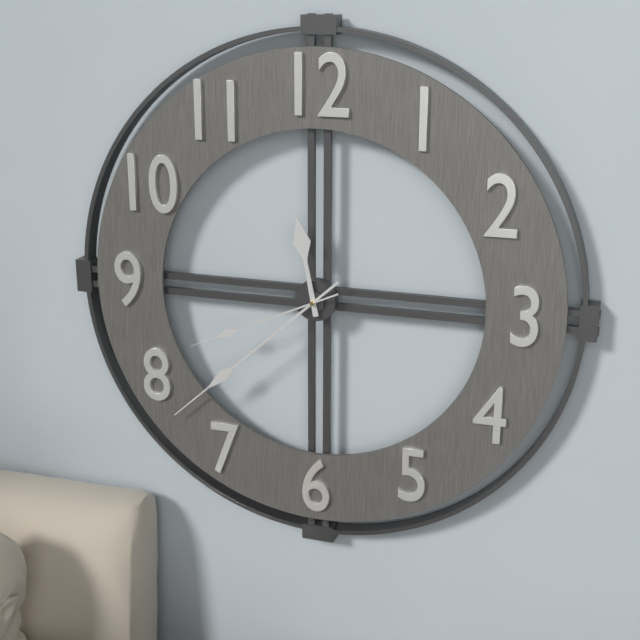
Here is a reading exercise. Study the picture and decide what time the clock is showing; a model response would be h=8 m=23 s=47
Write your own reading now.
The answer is h=11 m=38 s=41
